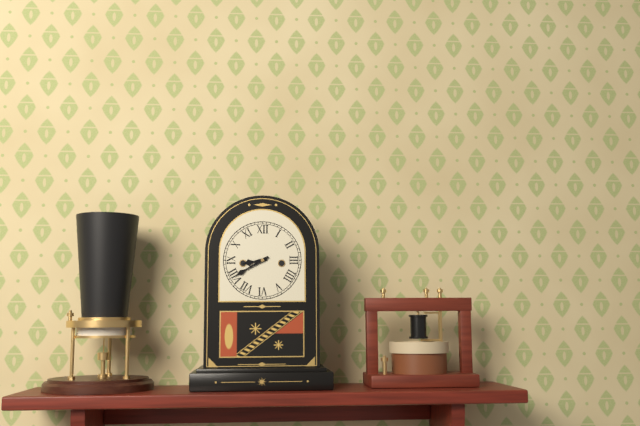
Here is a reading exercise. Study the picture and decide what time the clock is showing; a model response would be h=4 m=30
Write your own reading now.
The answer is h=8 m=40
